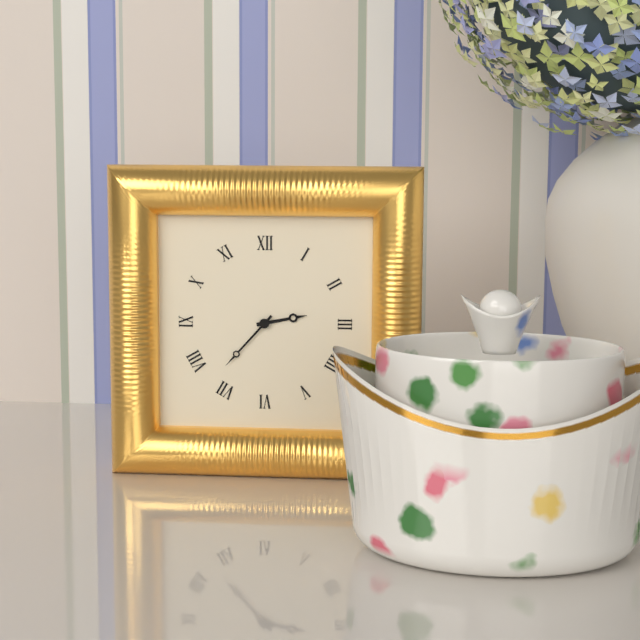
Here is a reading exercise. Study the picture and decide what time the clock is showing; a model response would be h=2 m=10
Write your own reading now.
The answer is h=2 m=37
